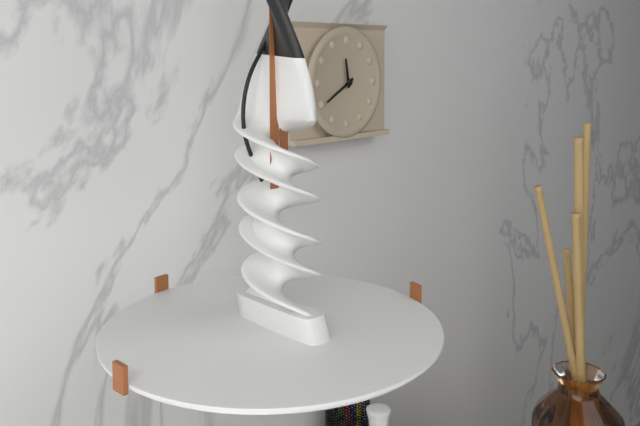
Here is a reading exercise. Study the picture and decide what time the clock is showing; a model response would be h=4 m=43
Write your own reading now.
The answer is h=11 m=40
